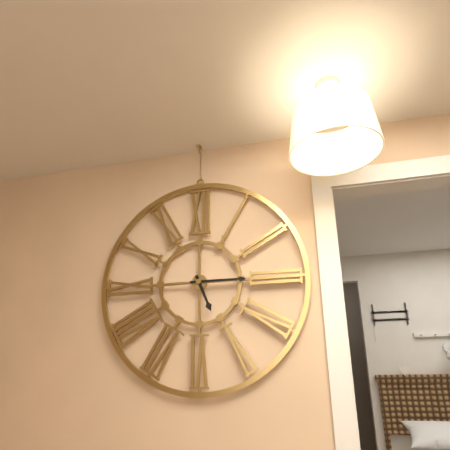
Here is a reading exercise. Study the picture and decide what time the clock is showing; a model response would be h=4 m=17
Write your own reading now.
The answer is h=5 m=15
